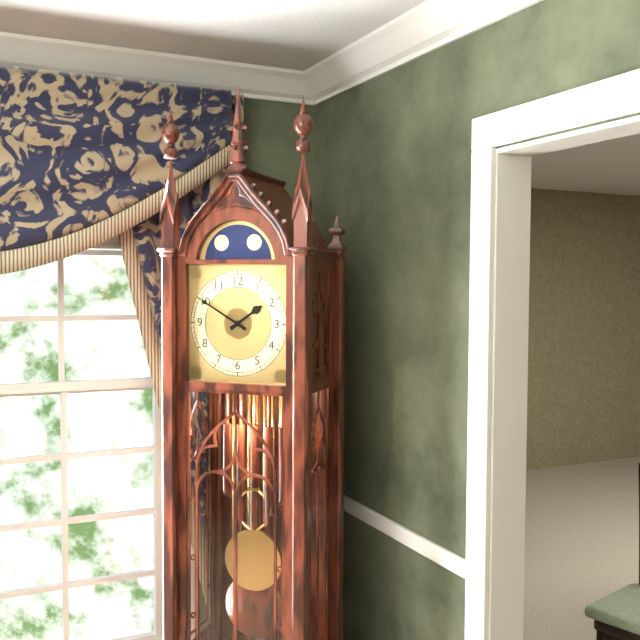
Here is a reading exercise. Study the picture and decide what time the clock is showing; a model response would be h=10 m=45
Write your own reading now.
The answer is h=1 m=50
